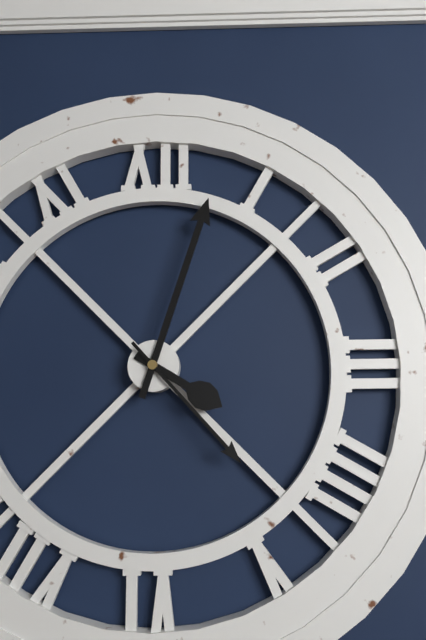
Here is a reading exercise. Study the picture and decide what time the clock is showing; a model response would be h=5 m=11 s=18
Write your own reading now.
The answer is h=4 m=3 s=23
